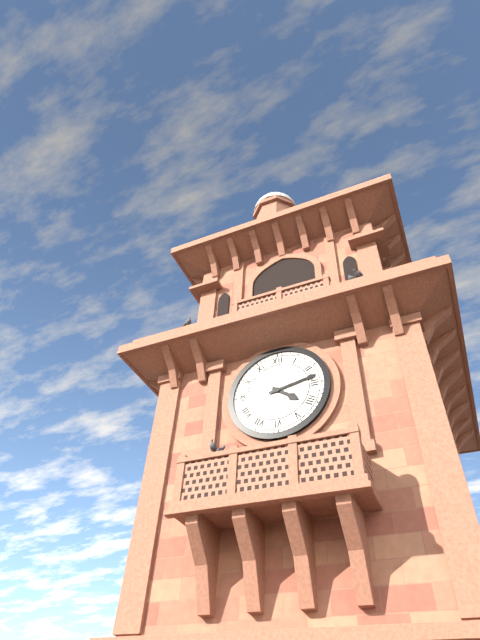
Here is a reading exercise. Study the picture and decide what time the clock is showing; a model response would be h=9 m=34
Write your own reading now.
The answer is h=4 m=13
